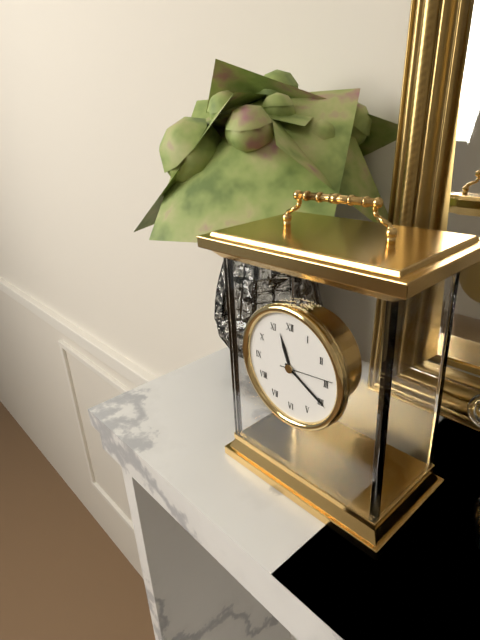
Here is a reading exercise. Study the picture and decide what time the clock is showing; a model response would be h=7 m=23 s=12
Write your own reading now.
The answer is h=11 m=20 s=14
